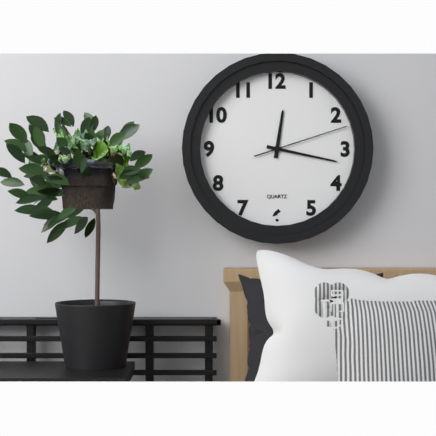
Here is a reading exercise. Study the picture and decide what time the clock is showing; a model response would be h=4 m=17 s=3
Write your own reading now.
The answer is h=12 m=17 s=12
